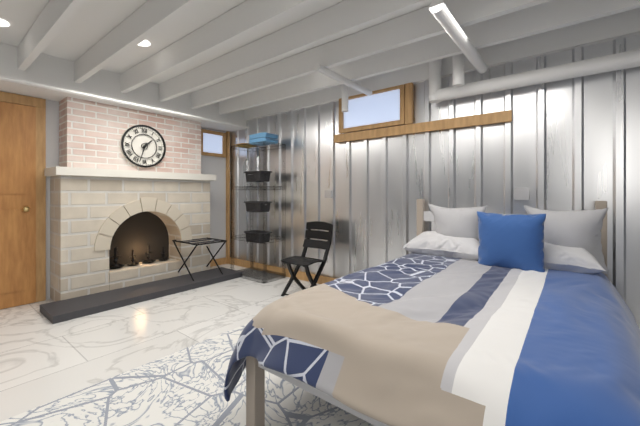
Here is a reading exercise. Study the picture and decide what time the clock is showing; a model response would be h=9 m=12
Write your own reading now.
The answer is h=1 m=33
